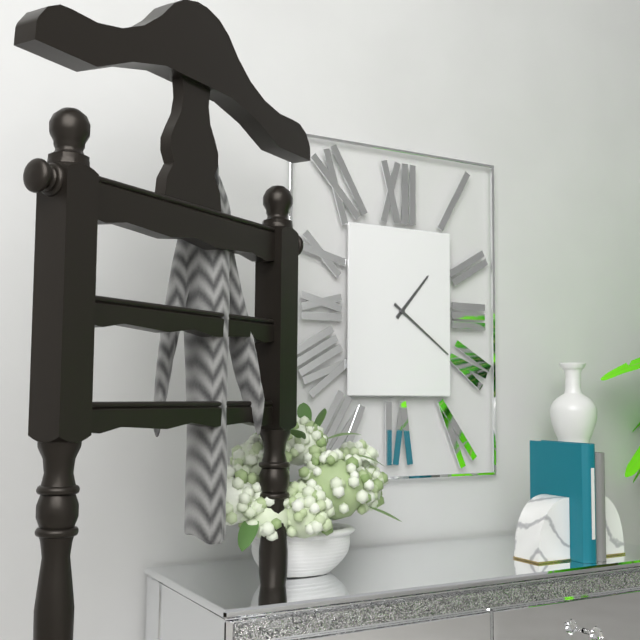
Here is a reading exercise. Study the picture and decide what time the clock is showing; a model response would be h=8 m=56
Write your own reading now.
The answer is h=1 m=21
